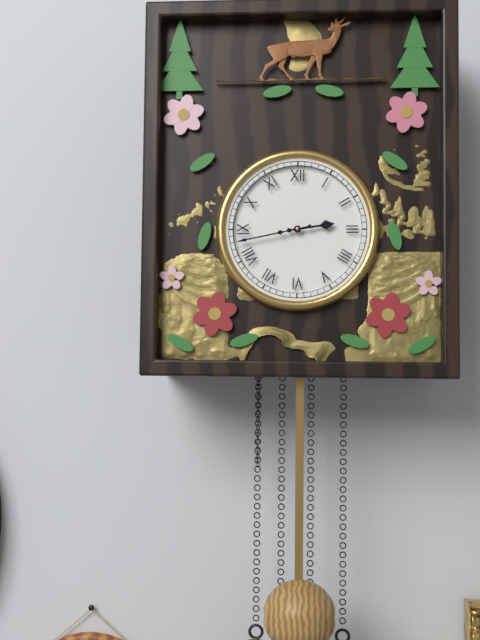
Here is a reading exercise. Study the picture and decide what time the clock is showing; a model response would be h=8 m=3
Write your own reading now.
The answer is h=2 m=43
